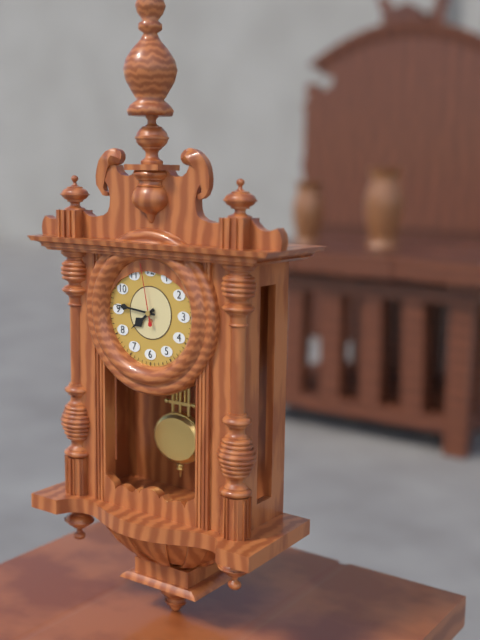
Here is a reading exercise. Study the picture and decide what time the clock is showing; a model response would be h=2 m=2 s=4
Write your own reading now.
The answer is h=7 m=46 s=58
